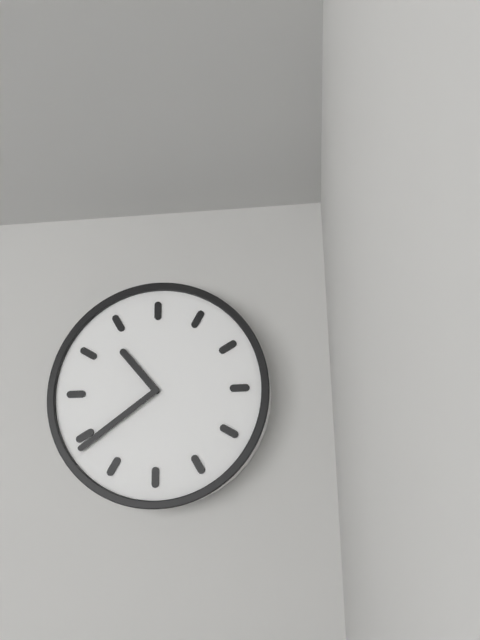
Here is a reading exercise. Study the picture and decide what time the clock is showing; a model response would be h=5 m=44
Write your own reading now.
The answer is h=10 m=39
